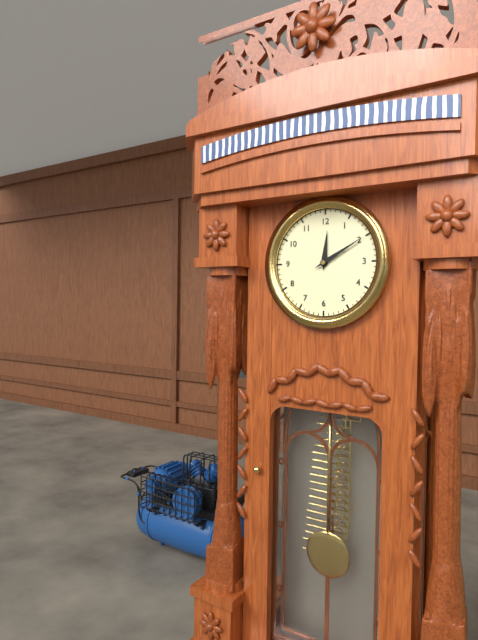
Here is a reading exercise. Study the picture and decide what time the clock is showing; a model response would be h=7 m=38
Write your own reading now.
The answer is h=12 m=10
